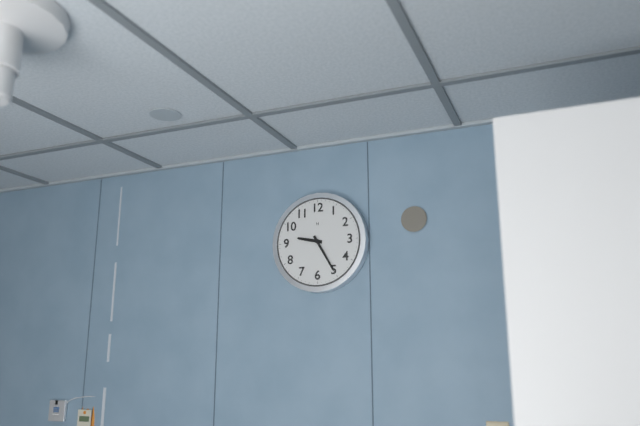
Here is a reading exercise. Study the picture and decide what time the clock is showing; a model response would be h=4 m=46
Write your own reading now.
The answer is h=9 m=25
